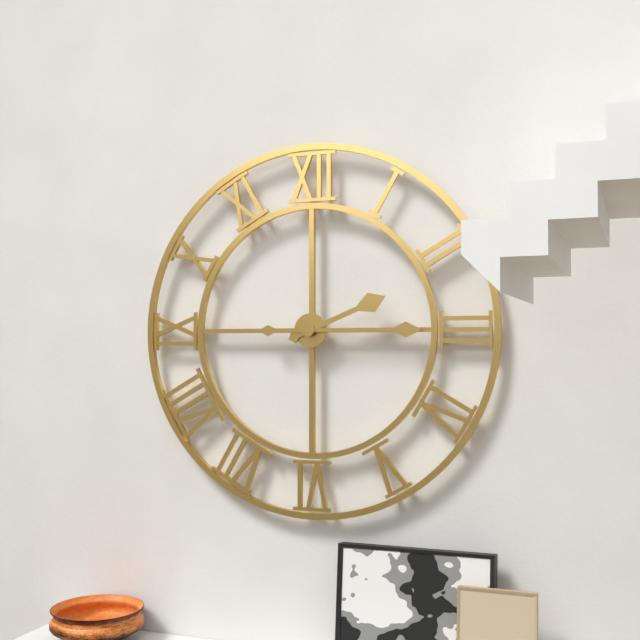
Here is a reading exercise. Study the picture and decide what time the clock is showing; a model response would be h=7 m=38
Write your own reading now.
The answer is h=2 m=15
